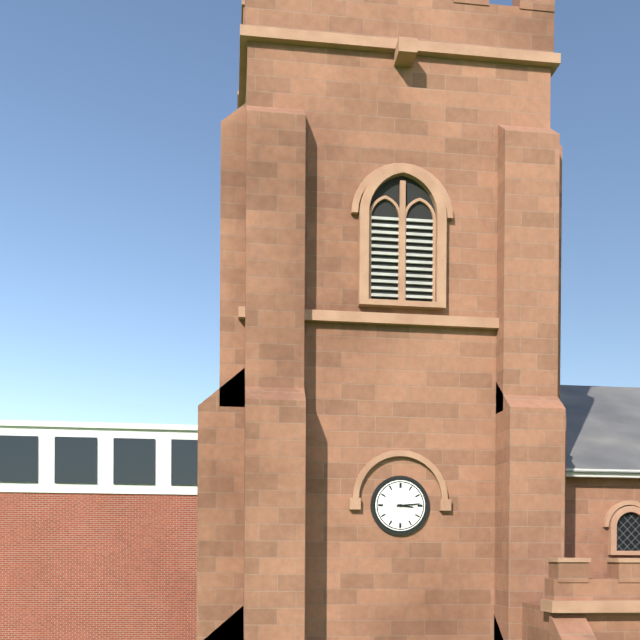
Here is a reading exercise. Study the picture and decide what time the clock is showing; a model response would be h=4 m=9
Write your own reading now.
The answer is h=3 m=14
